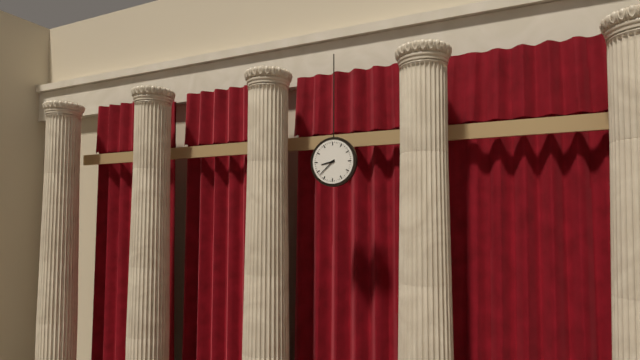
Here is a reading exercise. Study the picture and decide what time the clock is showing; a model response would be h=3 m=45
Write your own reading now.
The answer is h=8 m=38
